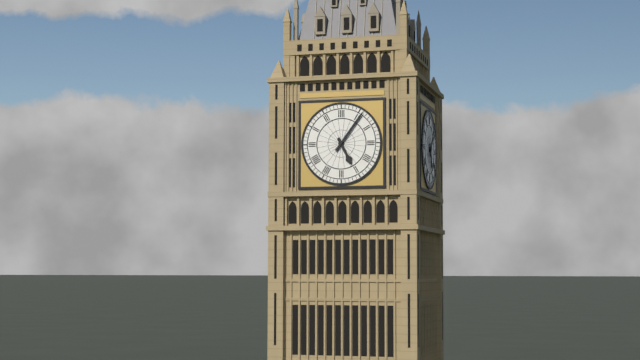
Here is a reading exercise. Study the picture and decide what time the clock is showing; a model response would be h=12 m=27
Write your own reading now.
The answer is h=5 m=6
